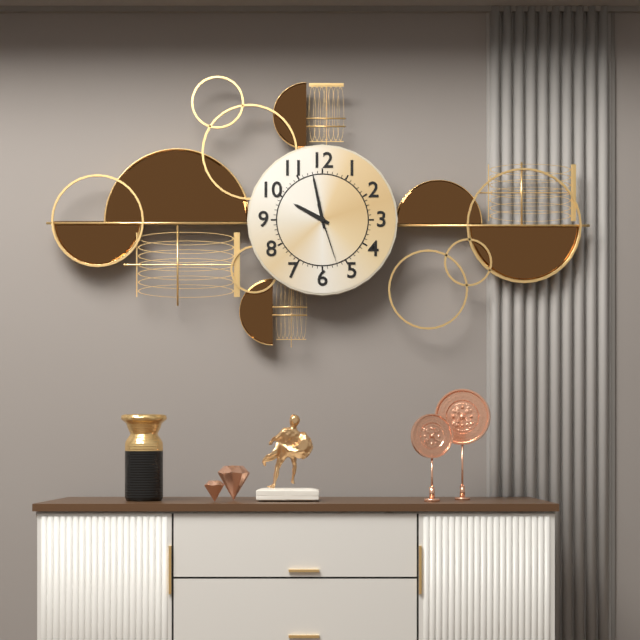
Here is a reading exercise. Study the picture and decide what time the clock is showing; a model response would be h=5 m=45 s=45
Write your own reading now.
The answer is h=9 m=58 s=27
